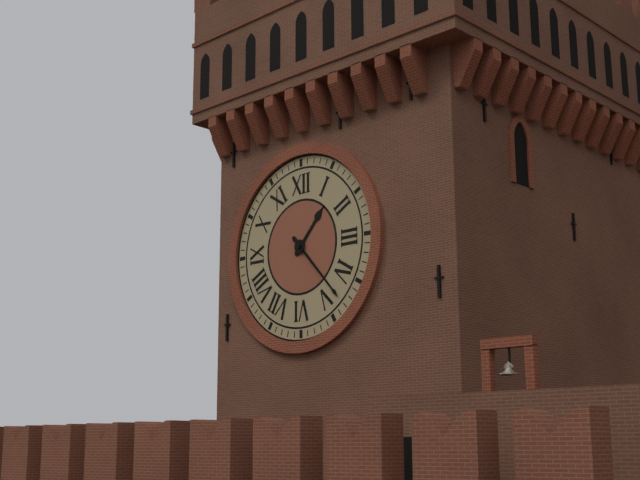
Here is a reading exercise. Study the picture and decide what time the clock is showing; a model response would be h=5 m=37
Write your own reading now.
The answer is h=1 m=23
